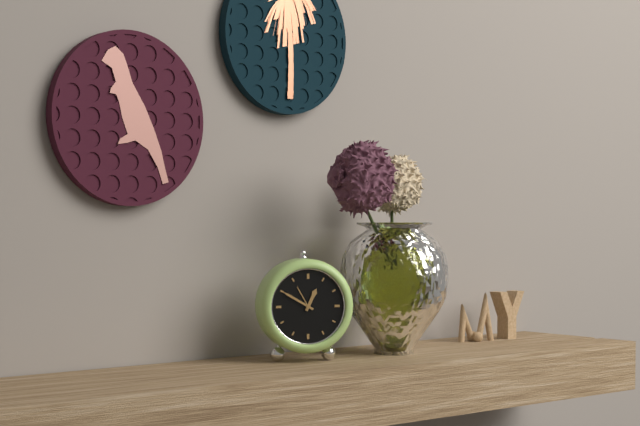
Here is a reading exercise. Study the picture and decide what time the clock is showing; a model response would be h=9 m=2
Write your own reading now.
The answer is h=12 m=50
